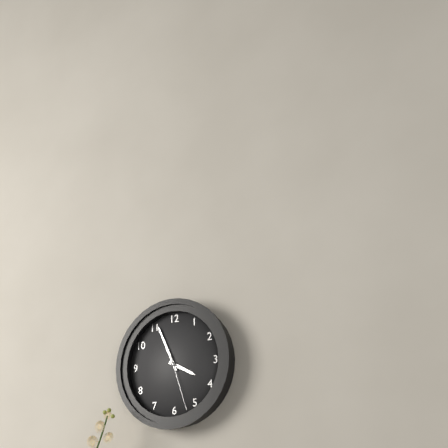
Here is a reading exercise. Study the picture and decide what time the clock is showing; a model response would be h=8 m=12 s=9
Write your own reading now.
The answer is h=3 m=56 s=27
